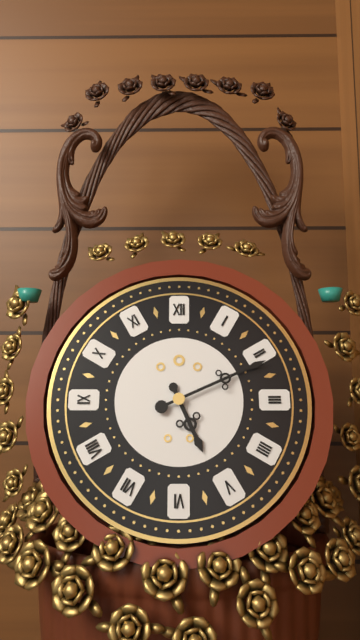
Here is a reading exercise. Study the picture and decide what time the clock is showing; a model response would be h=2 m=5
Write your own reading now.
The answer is h=5 m=11
